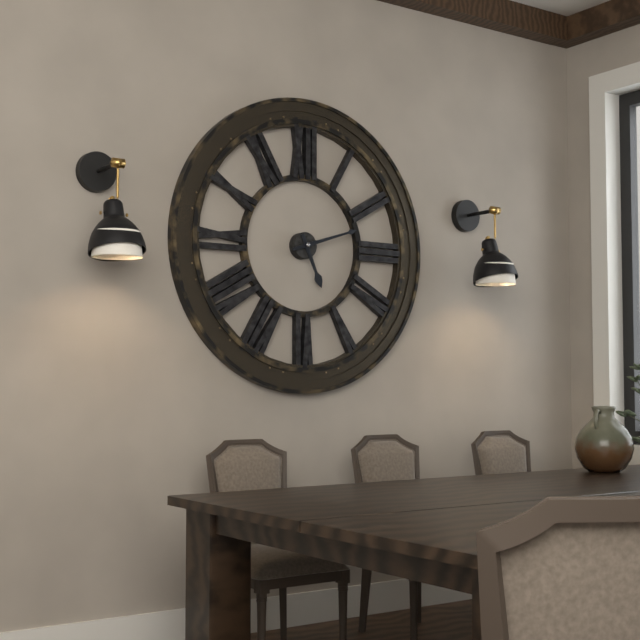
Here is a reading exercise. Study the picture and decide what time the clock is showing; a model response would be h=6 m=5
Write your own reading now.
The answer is h=5 m=12
